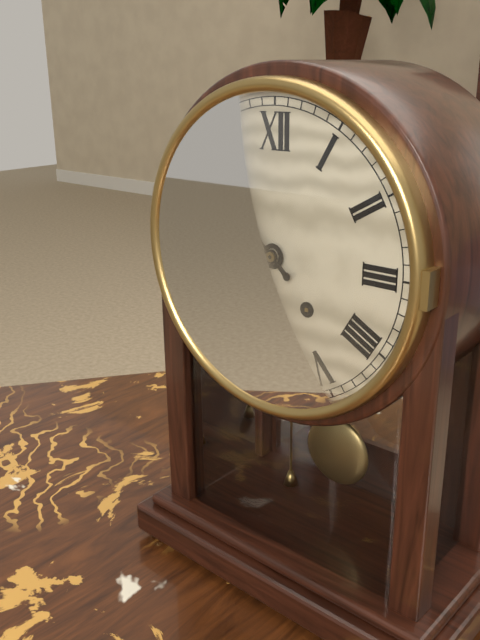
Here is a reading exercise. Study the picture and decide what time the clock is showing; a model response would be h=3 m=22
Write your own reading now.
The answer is h=9 m=52
